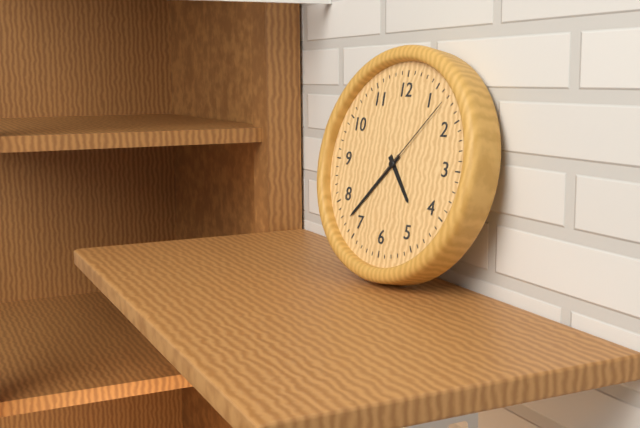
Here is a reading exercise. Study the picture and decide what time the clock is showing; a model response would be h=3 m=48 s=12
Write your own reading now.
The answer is h=4 m=37 s=7
